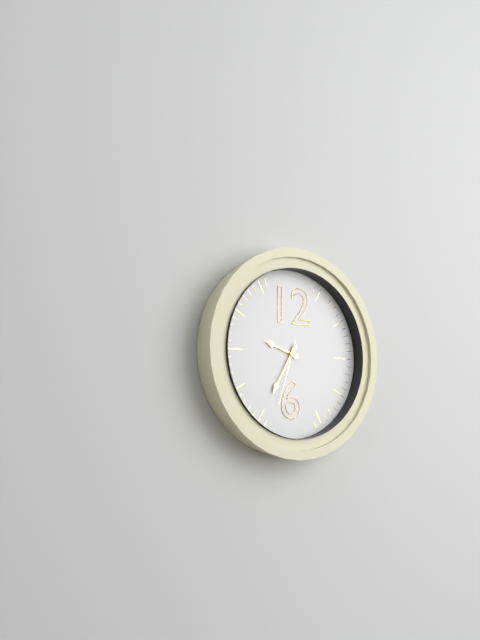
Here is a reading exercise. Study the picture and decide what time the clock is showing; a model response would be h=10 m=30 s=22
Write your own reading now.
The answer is h=9 m=35 s=33
